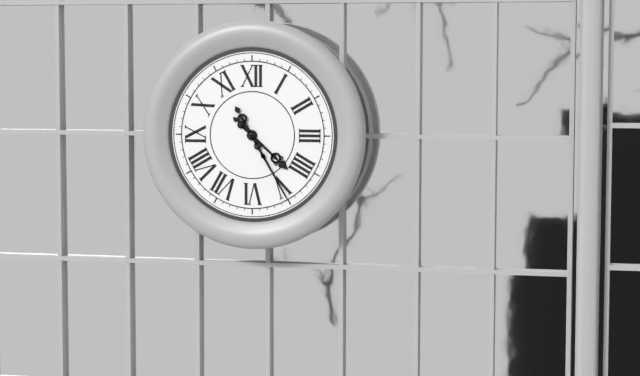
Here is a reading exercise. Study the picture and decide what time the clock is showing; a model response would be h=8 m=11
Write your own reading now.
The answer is h=4 m=25
